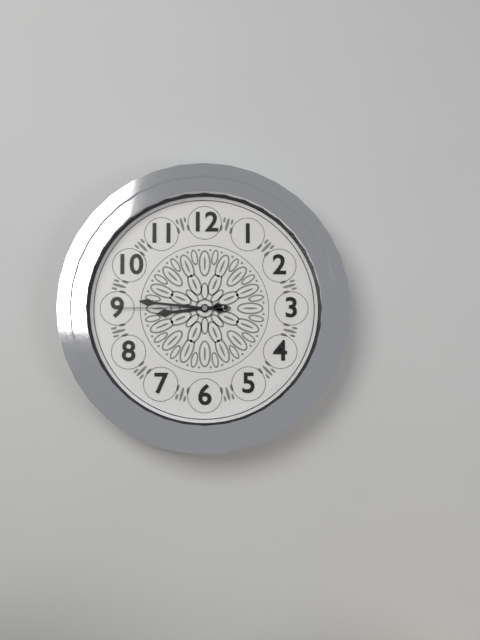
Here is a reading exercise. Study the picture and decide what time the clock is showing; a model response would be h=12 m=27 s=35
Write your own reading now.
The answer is h=8 m=46 s=45
